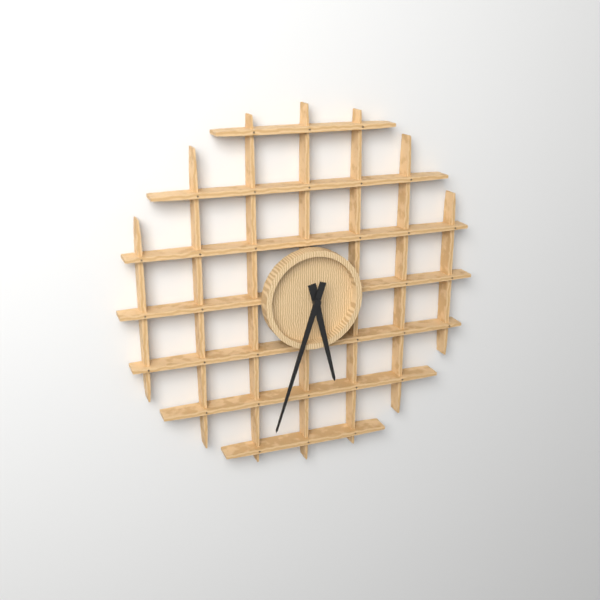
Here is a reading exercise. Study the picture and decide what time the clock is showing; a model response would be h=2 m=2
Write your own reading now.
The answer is h=5 m=33
